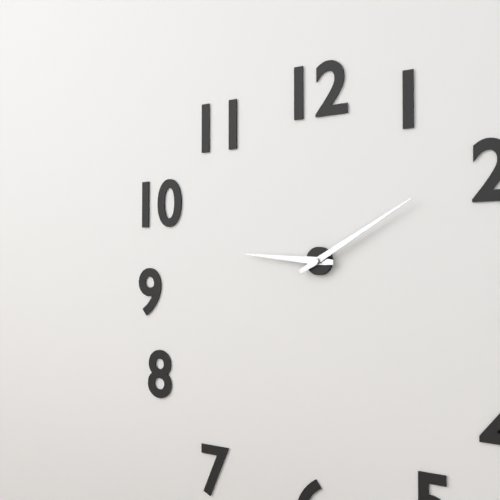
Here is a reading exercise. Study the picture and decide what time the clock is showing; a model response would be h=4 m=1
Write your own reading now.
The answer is h=9 m=10
